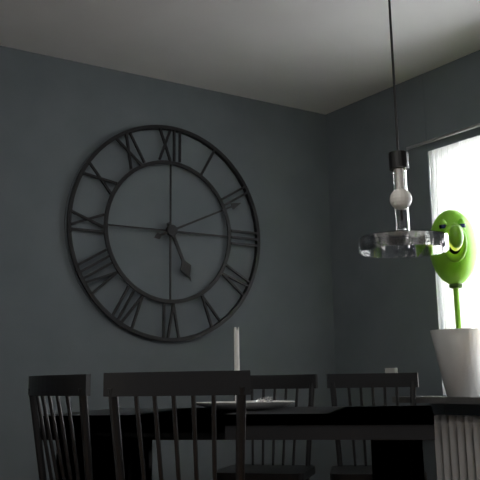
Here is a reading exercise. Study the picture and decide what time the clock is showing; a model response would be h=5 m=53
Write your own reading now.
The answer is h=5 m=11
